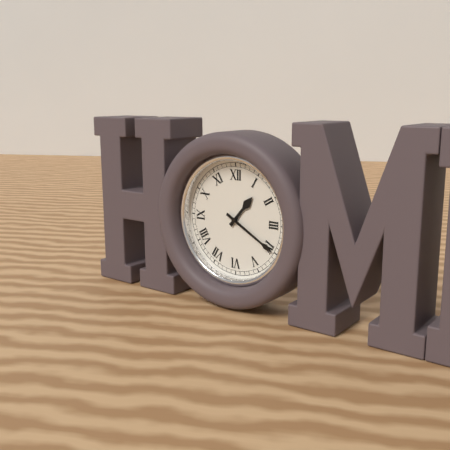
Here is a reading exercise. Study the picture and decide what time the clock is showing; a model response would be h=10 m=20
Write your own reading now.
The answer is h=1 m=20
